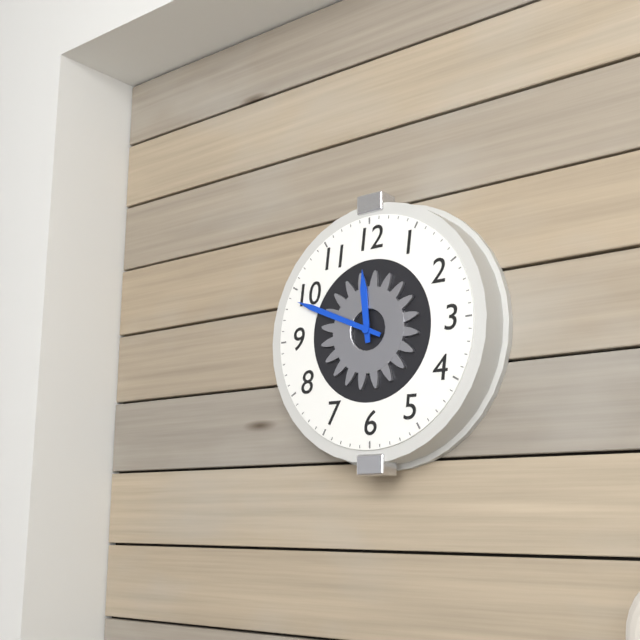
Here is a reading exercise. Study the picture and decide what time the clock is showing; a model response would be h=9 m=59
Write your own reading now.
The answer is h=11 m=49
